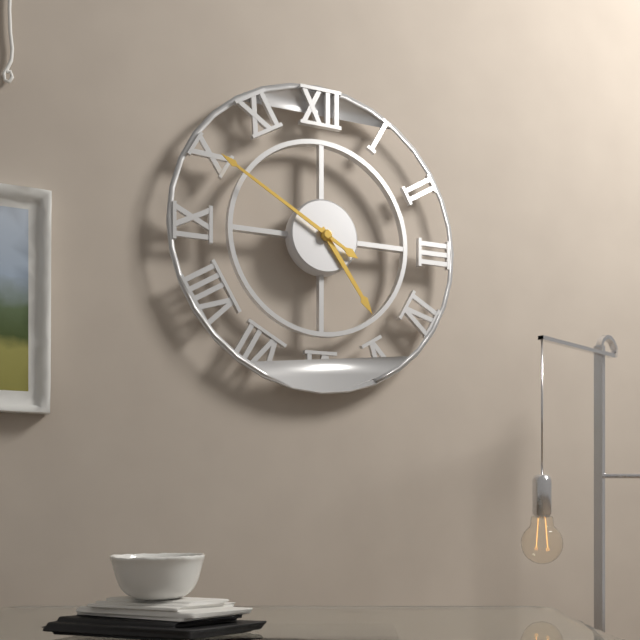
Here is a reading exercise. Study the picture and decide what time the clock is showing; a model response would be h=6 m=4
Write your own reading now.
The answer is h=4 m=50
